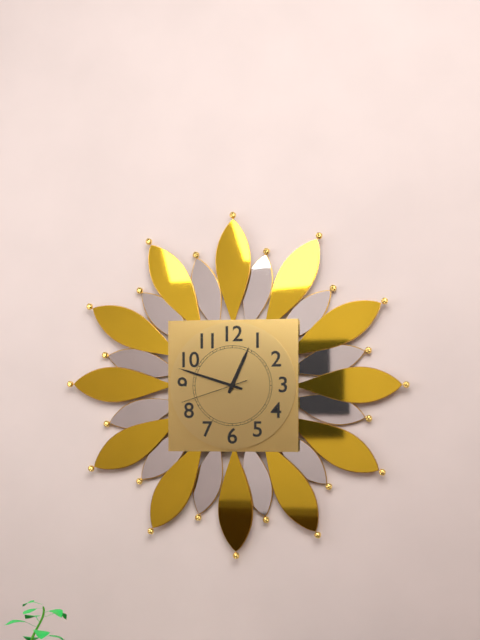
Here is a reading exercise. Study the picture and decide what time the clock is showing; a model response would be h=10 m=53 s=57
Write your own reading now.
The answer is h=12 m=48 s=42
